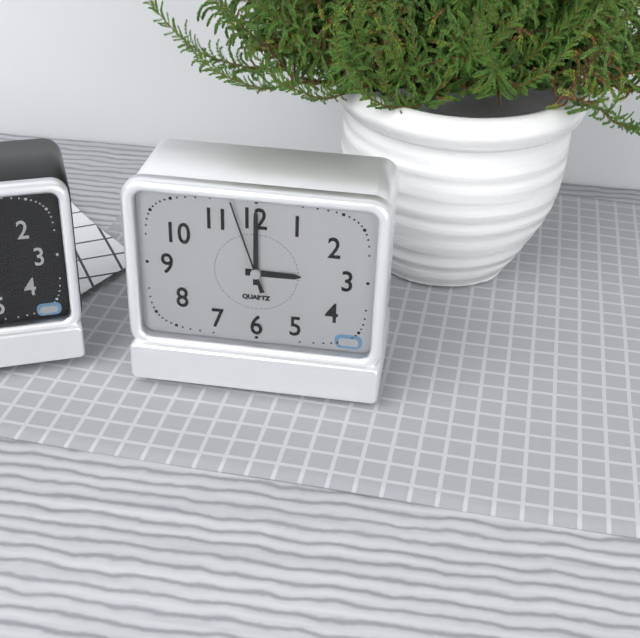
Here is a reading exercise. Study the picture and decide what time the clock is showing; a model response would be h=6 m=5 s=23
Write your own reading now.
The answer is h=3 m=0 s=57
